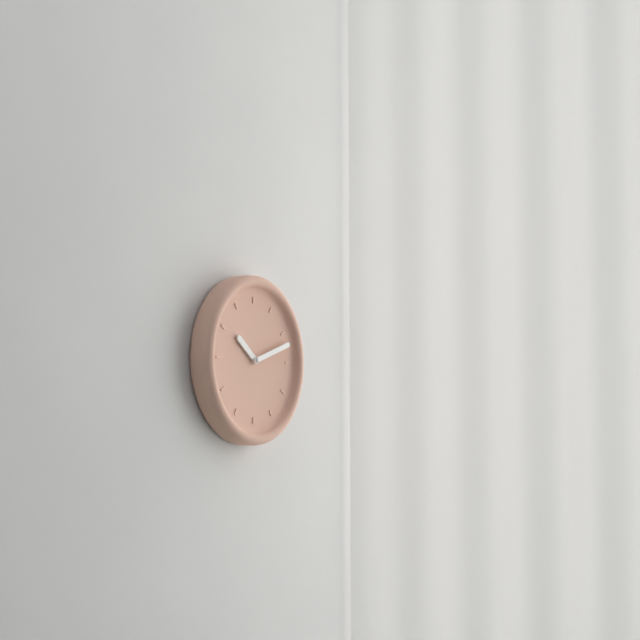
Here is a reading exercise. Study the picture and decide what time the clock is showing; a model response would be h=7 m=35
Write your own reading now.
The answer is h=10 m=12
